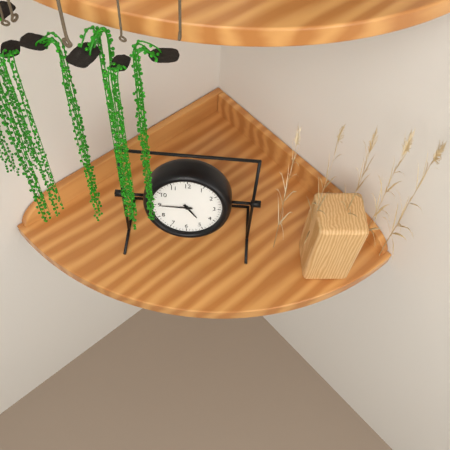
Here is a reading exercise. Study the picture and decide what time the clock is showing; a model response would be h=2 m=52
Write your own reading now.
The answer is h=4 m=45
